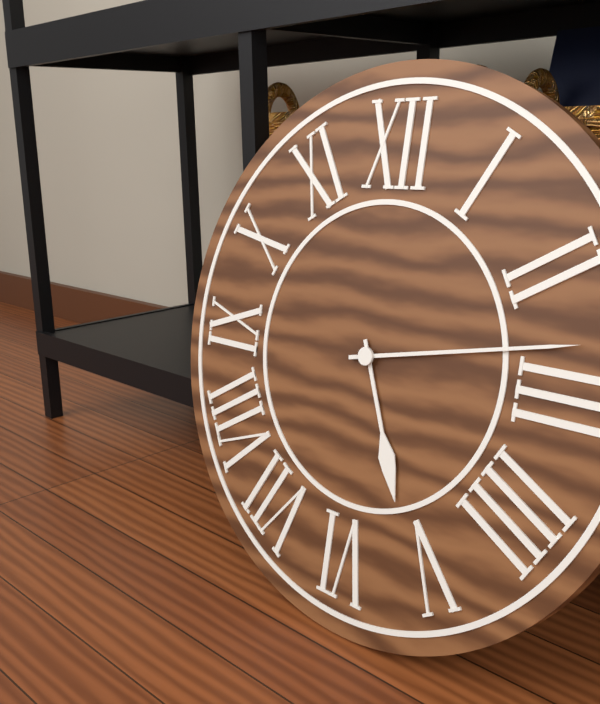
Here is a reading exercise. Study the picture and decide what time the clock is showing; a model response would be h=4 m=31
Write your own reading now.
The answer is h=5 m=13
